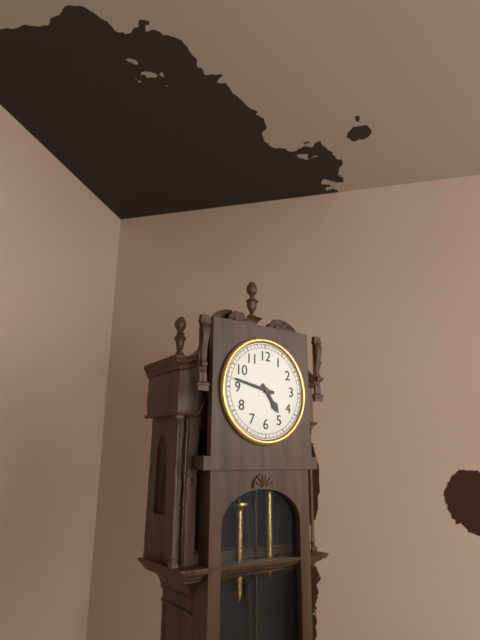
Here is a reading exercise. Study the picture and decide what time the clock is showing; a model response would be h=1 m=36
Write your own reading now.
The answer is h=4 m=47
